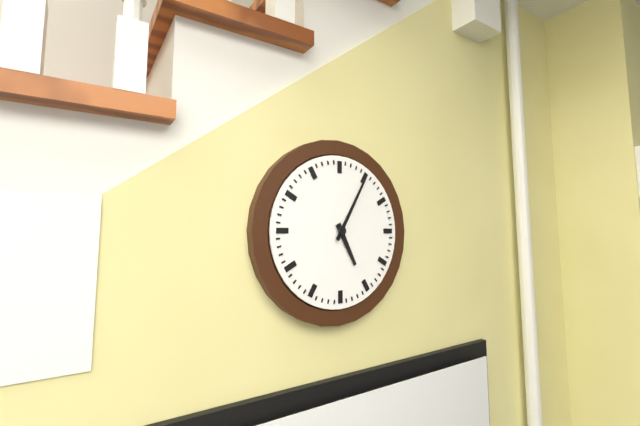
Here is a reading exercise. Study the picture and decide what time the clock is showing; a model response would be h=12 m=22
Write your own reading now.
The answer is h=5 m=5
